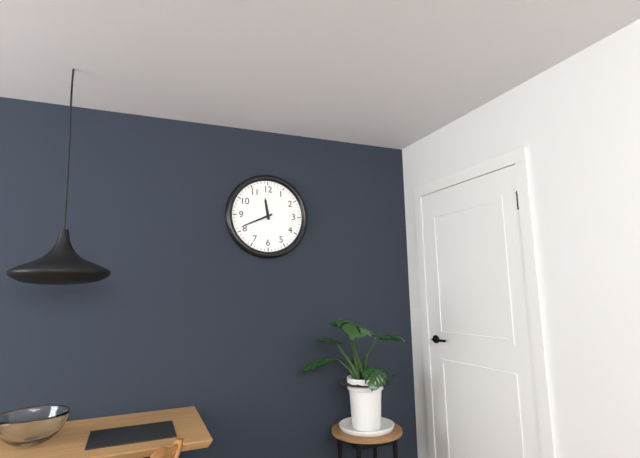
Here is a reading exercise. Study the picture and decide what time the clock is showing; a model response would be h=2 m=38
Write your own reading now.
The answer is h=11 m=41
